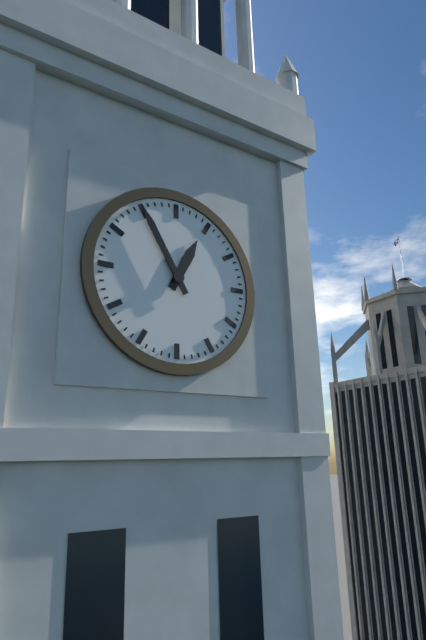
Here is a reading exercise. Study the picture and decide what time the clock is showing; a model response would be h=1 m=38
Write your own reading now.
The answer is h=12 m=55
